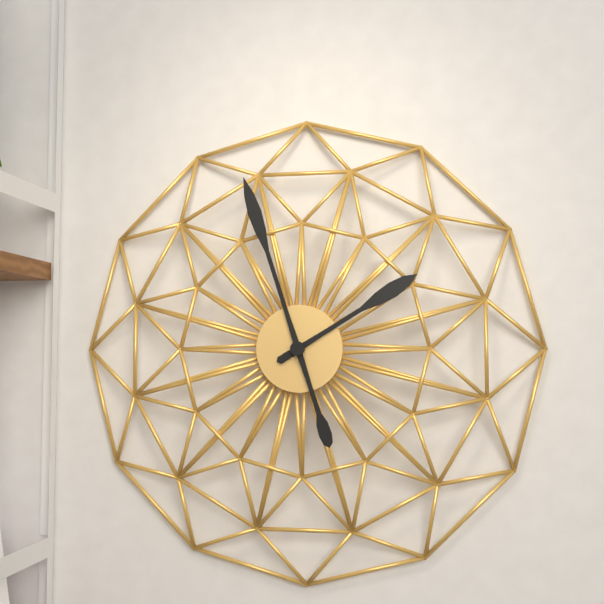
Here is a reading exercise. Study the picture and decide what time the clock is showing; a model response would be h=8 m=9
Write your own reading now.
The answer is h=1 m=57
